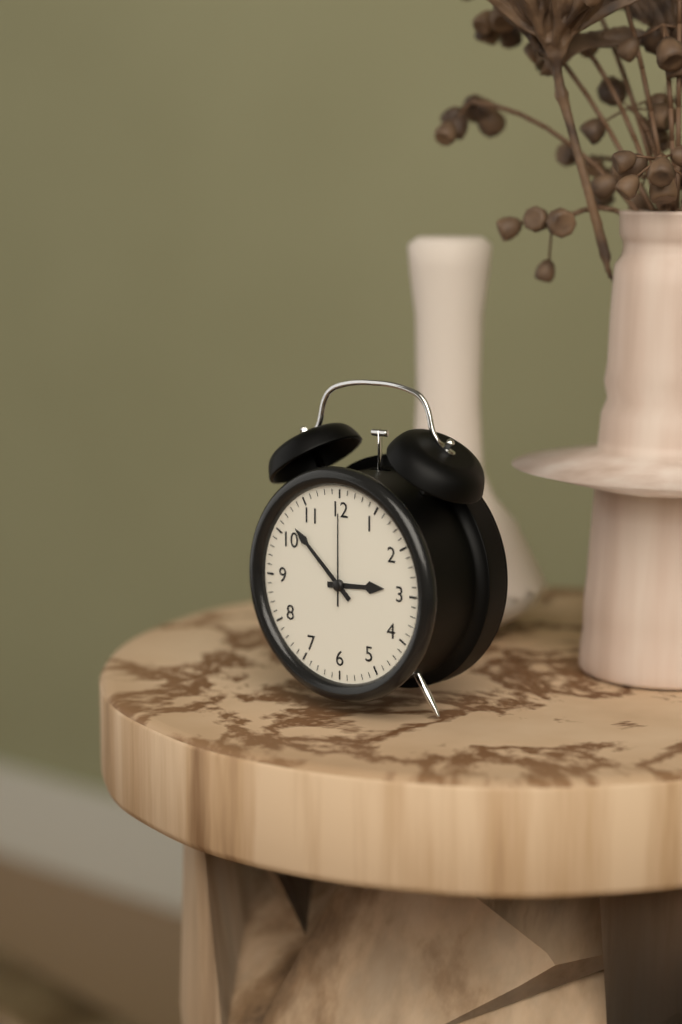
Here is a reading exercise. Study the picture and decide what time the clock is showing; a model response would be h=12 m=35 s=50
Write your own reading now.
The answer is h=2 m=52 s=0
